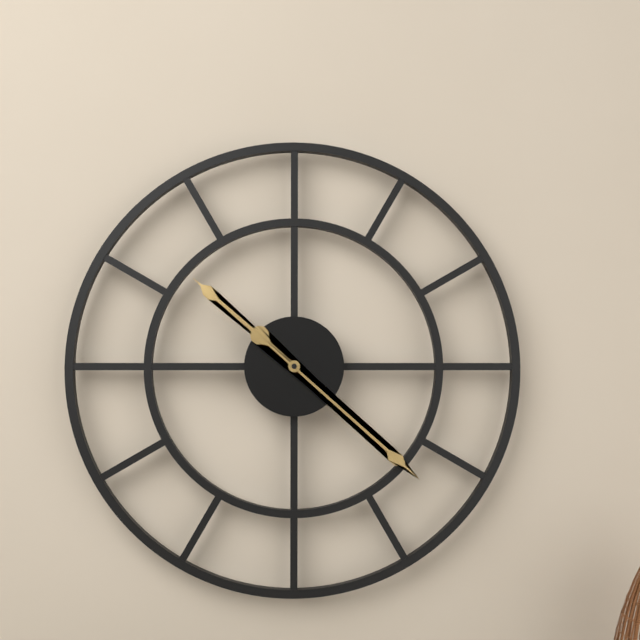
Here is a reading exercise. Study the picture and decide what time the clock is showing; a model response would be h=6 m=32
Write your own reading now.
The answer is h=10 m=22
